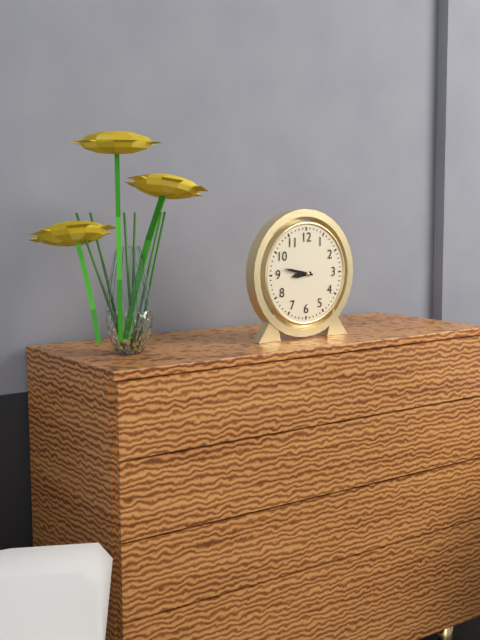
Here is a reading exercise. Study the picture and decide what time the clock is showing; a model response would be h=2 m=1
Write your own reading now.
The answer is h=8 m=47
